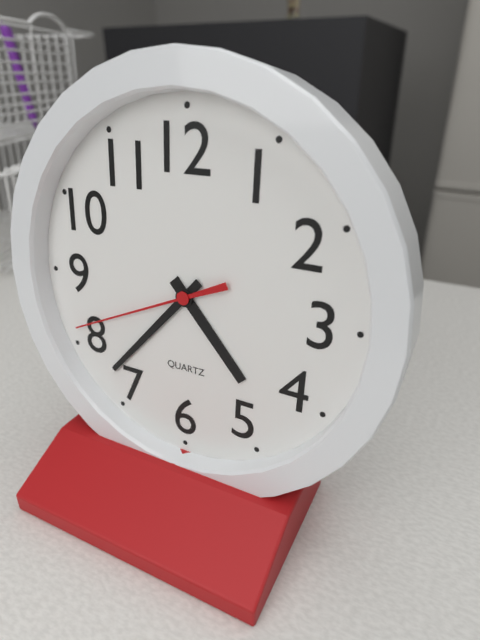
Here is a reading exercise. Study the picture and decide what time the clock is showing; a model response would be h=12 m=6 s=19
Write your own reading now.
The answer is h=4 m=37 s=41
